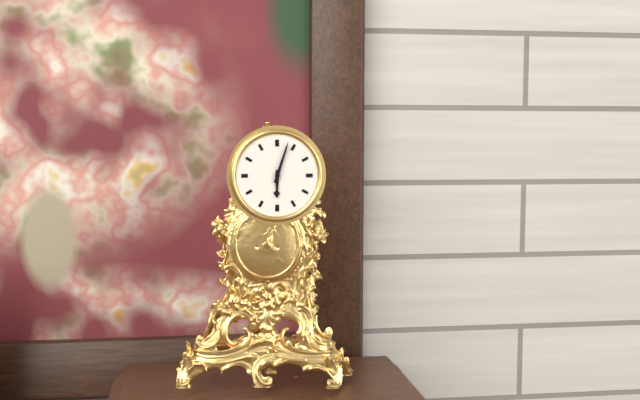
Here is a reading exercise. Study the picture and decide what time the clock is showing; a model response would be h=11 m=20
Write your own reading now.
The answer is h=6 m=3
